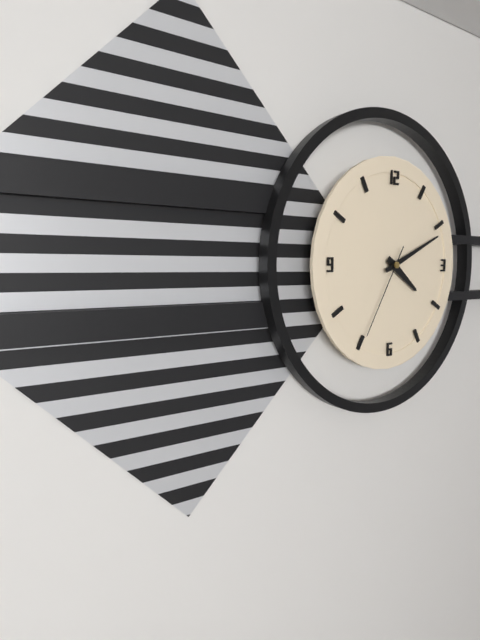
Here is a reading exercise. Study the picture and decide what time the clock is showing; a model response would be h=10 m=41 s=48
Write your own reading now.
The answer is h=4 m=11 s=35
